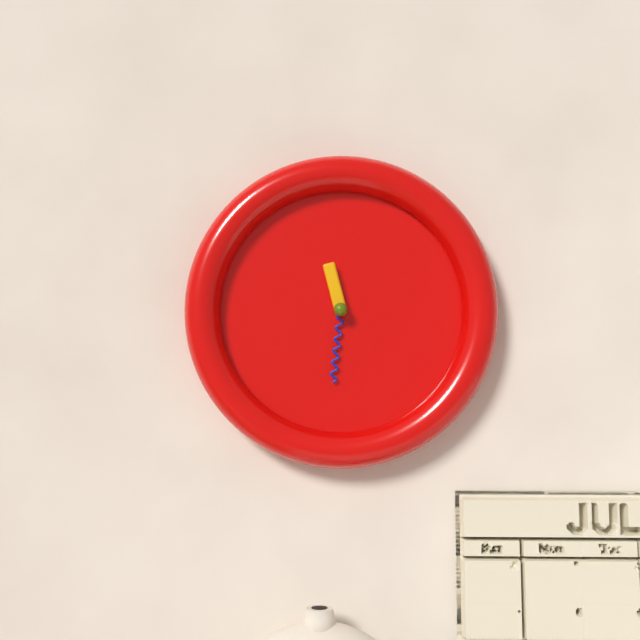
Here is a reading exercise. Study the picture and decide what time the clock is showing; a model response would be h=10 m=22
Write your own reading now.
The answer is h=11 m=31
